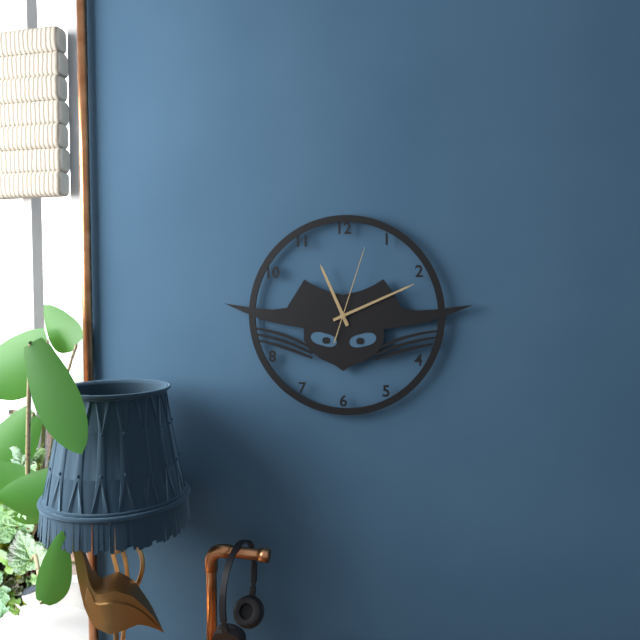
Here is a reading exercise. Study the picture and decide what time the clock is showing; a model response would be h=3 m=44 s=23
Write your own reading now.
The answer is h=11 m=11 s=3
